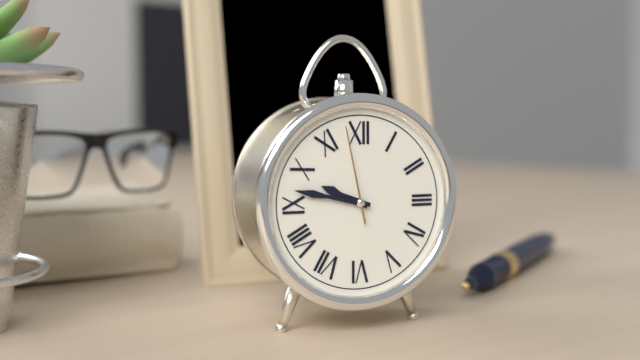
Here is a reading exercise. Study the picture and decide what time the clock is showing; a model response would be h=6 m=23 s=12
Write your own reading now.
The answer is h=9 m=47 s=58
